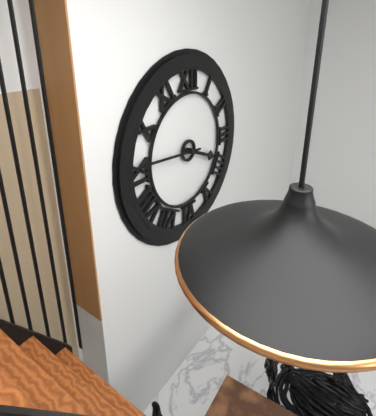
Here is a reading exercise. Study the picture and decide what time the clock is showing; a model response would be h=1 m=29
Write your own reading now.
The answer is h=3 m=46
